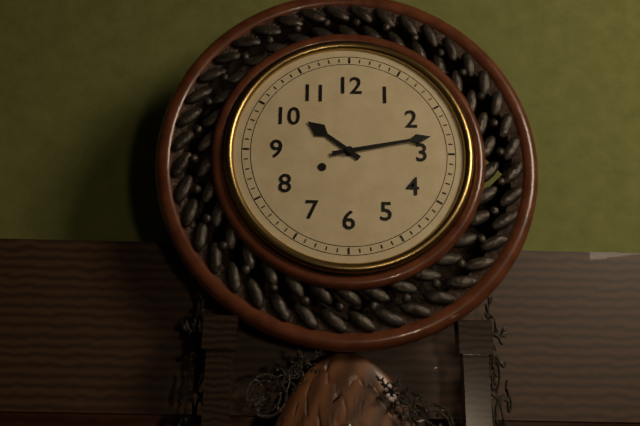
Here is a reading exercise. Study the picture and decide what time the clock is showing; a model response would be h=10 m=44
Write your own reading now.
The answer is h=10 m=13
